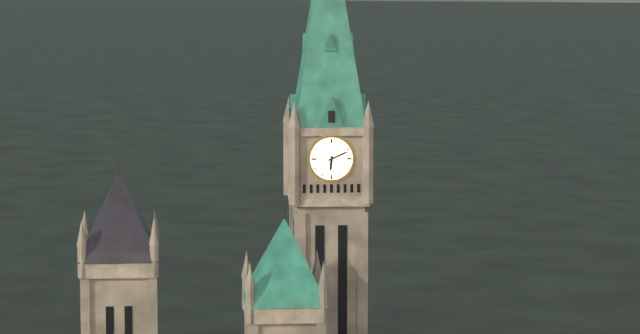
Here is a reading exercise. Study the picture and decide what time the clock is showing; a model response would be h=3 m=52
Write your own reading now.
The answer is h=6 m=11
